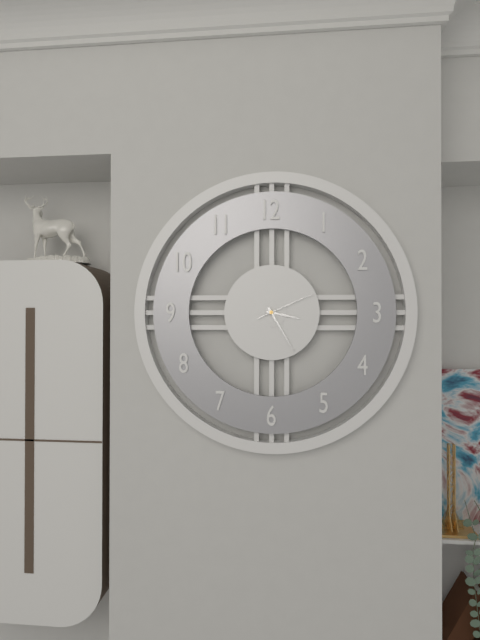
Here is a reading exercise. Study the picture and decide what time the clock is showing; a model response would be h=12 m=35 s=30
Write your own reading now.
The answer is h=3 m=25 s=11
